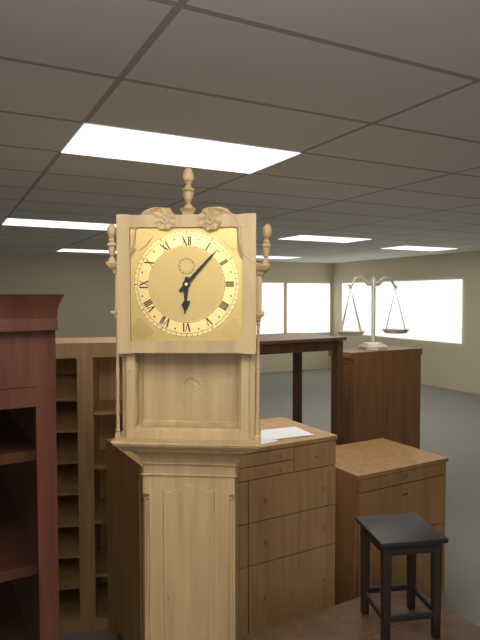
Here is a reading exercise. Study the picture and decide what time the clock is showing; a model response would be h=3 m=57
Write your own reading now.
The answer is h=6 m=7
